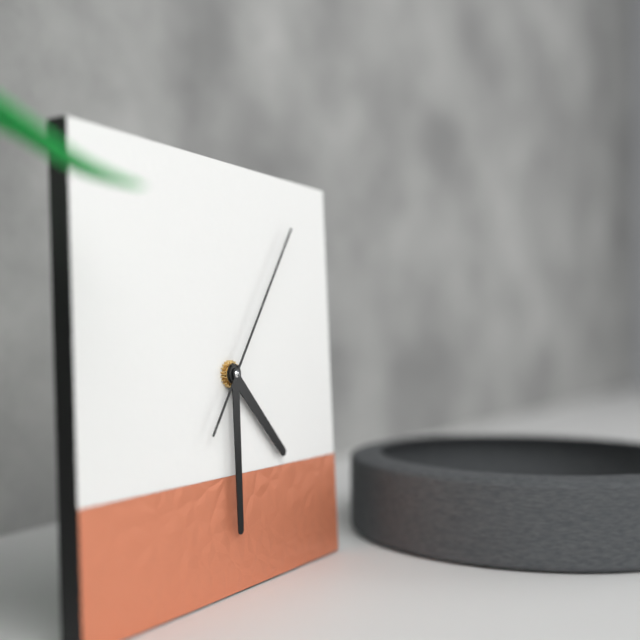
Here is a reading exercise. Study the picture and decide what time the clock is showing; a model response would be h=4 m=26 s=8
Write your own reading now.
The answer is h=4 m=30 s=6
